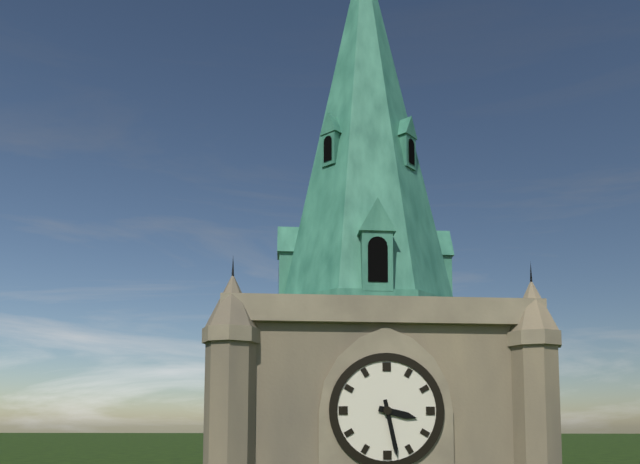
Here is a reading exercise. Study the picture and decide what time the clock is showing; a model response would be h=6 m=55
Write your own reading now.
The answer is h=3 m=28
